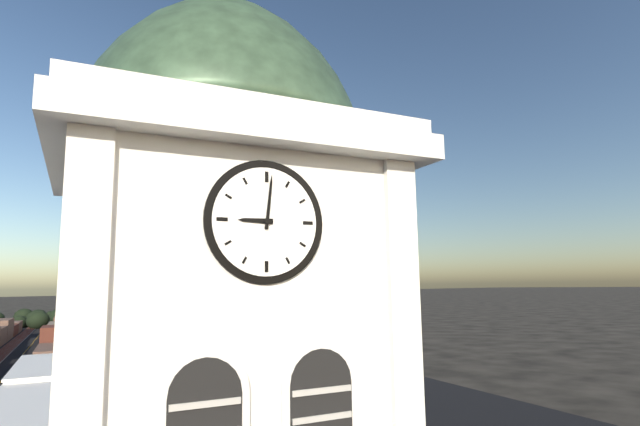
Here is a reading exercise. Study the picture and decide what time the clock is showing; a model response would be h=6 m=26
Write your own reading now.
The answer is h=9 m=1
